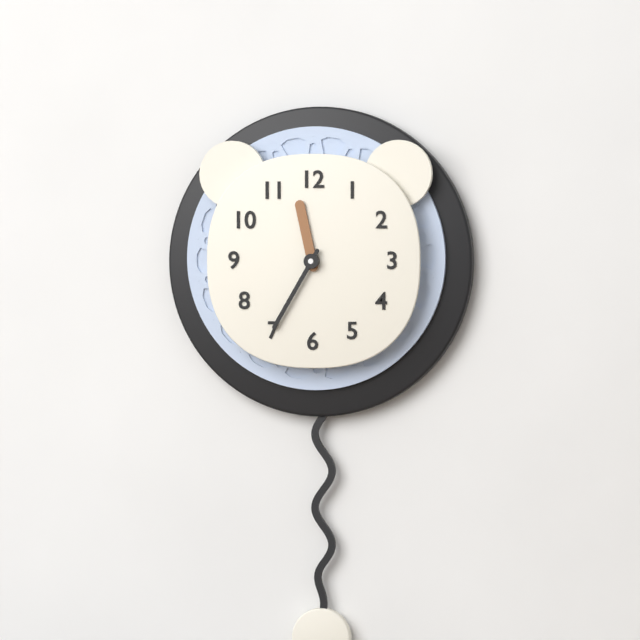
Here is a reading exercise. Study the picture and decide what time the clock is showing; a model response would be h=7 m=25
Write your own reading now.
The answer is h=11 m=35
